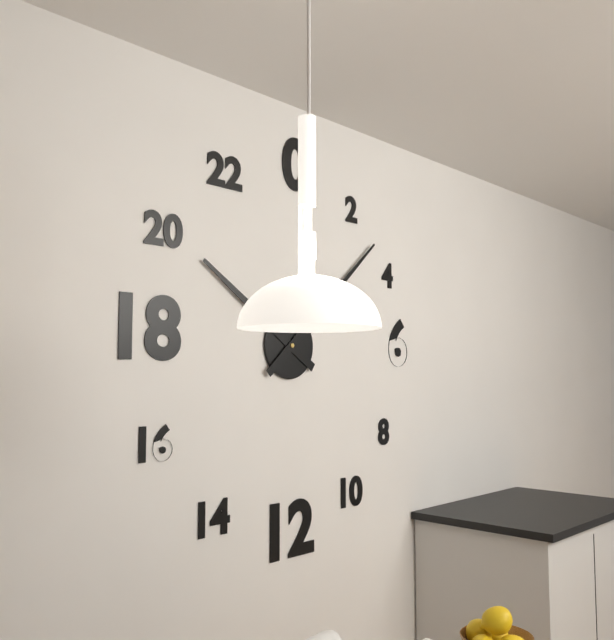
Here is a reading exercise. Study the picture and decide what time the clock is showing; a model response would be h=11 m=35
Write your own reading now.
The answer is h=10 m=8
